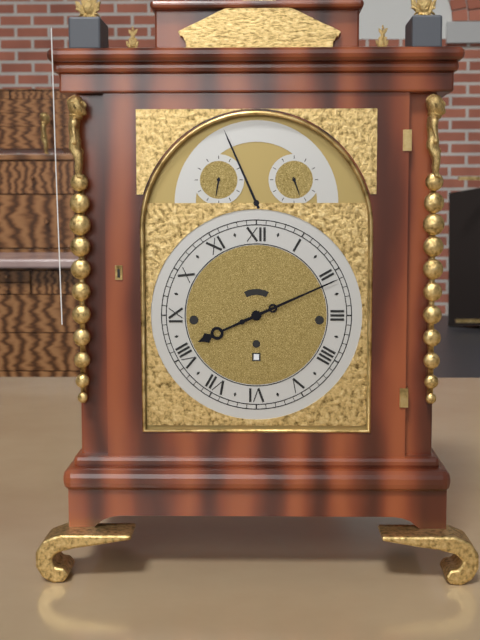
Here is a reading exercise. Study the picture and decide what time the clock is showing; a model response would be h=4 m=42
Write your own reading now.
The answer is h=8 m=11
